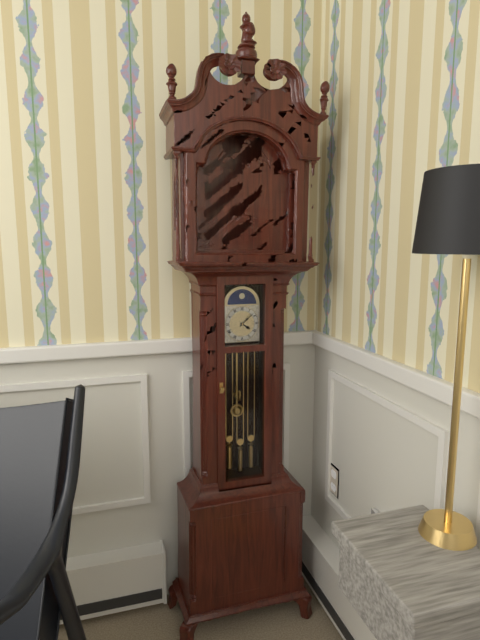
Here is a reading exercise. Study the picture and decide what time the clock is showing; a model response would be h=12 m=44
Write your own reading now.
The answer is h=4 m=8
